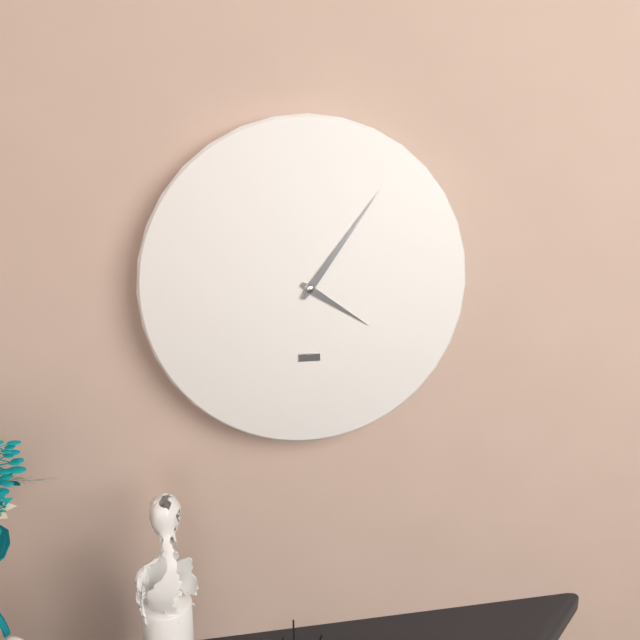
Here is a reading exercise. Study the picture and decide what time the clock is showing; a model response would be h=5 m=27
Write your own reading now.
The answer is h=4 m=6
